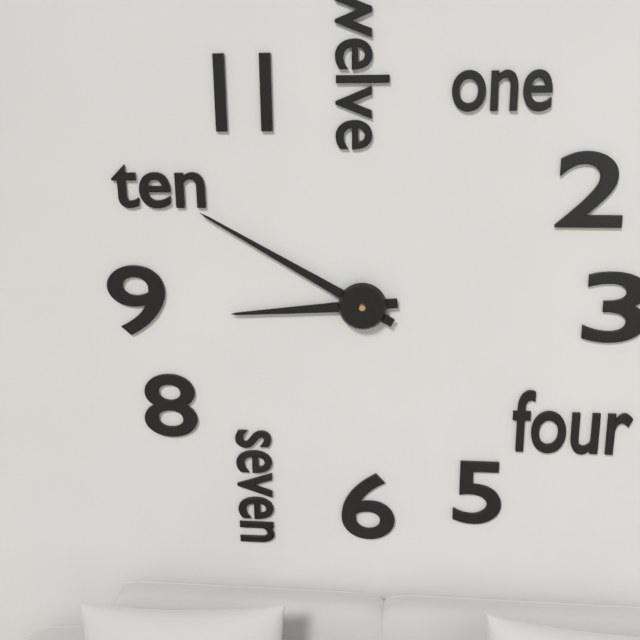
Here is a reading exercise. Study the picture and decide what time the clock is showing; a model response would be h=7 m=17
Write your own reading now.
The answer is h=8 m=50
